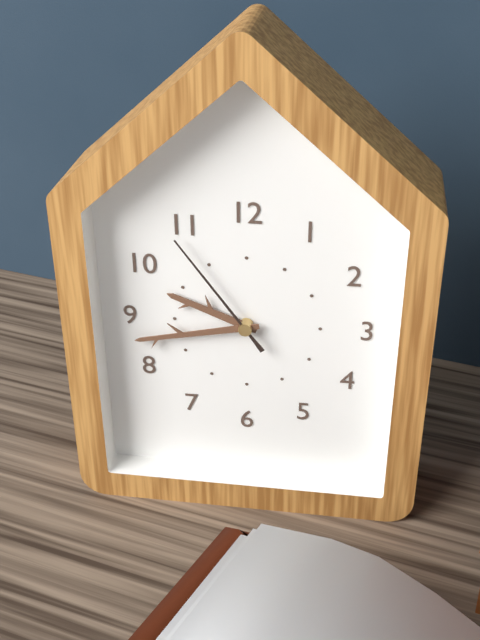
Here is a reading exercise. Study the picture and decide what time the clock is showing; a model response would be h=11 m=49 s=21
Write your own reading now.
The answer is h=9 m=43 s=54
